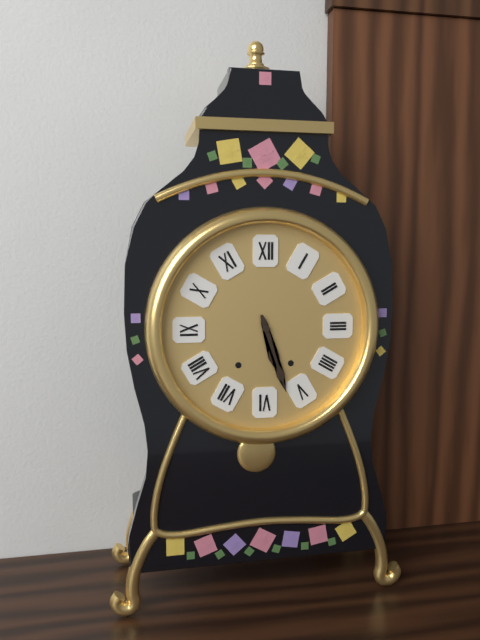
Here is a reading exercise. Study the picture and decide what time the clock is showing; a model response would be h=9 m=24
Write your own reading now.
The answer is h=5 m=27
